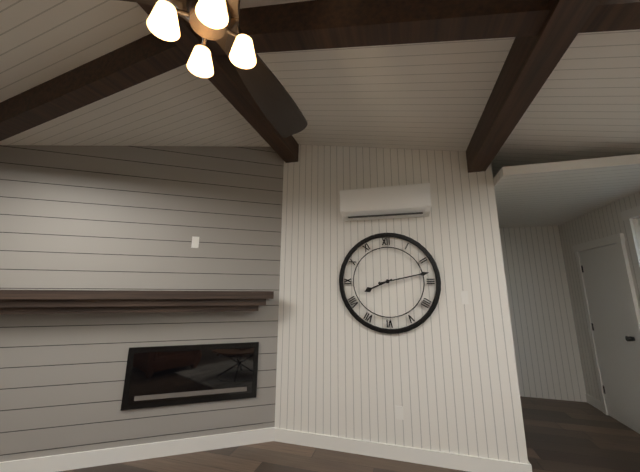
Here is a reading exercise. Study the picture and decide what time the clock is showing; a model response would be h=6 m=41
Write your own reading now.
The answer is h=8 m=13
